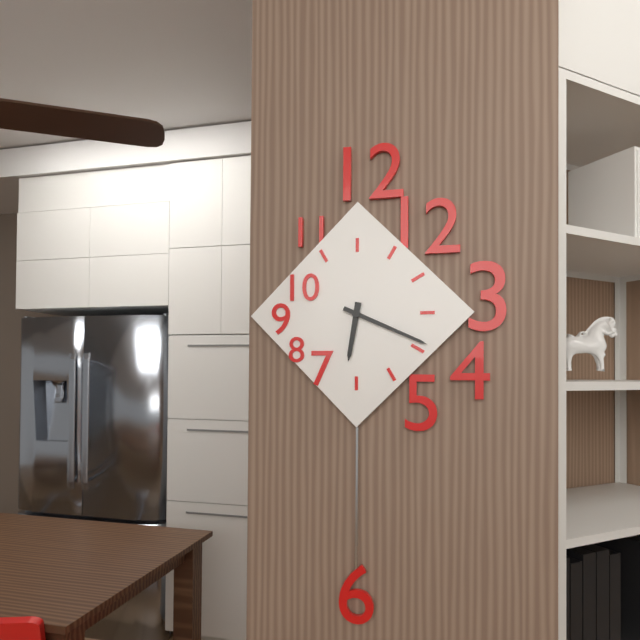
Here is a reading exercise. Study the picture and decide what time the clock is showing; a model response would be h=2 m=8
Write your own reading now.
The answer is h=6 m=19
